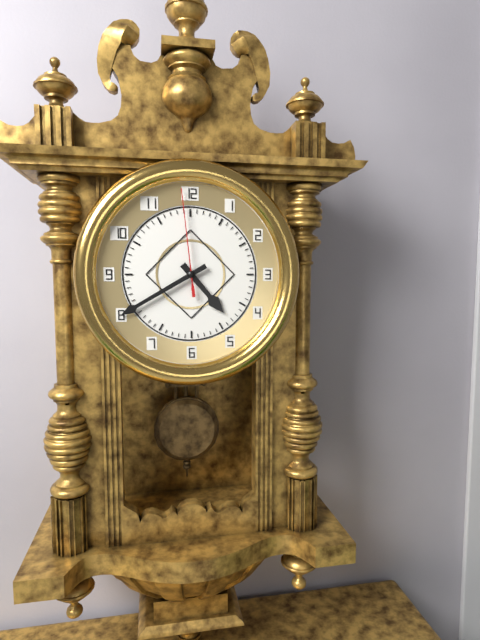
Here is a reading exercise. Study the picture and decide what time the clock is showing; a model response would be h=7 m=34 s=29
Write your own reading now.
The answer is h=4 m=40 s=59
